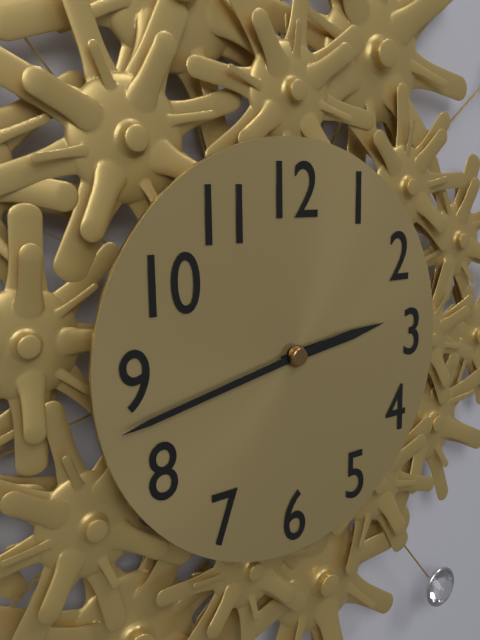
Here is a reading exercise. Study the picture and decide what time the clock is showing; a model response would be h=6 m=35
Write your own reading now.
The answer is h=2 m=43
